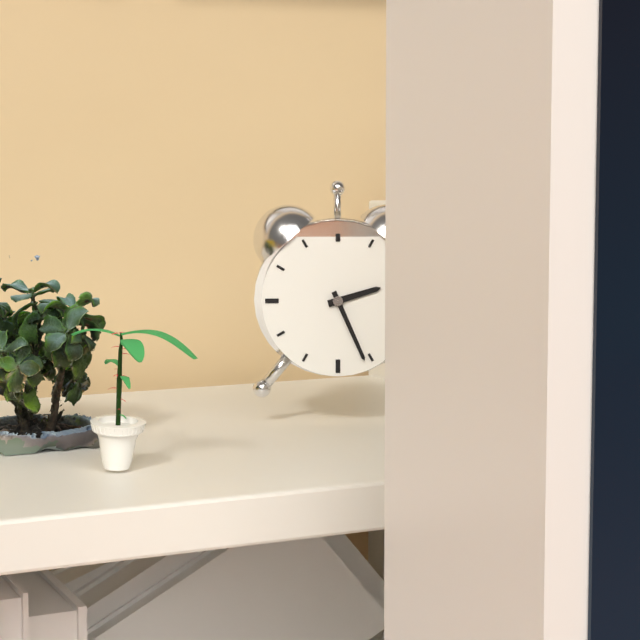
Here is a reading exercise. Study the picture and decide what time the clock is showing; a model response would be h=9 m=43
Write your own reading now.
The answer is h=2 m=26
